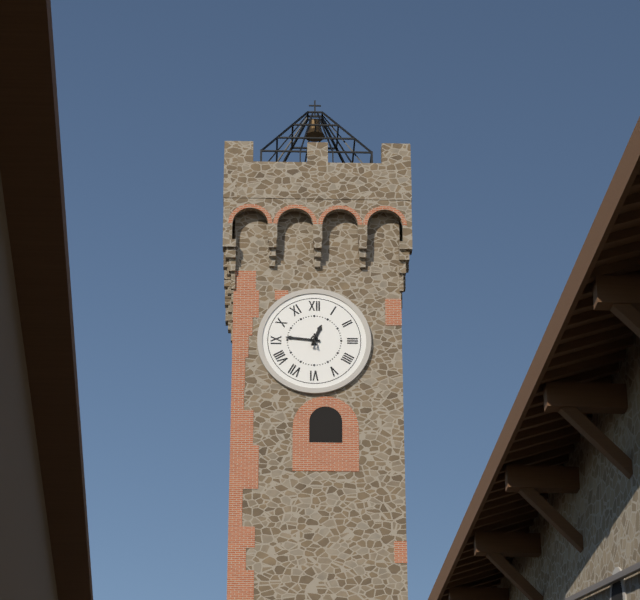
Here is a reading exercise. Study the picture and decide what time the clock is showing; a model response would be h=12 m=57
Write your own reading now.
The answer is h=12 m=46
